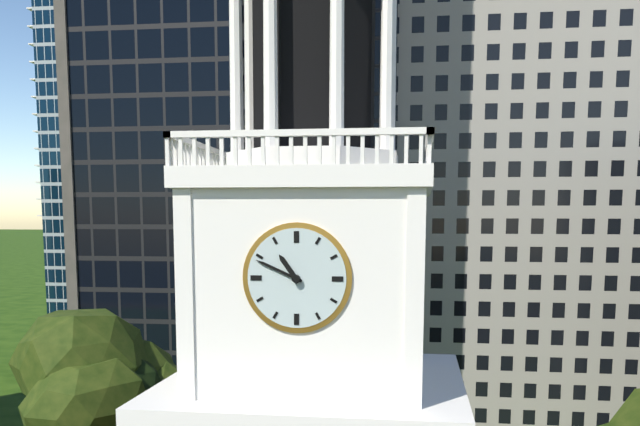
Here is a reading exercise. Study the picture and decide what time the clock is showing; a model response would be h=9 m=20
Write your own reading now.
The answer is h=10 m=49
